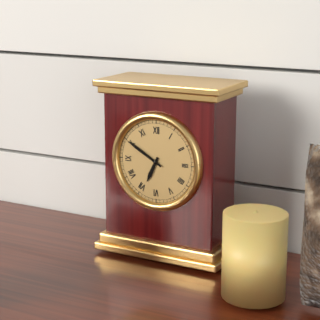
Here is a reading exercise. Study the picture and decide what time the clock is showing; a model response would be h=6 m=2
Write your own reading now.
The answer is h=6 m=50
